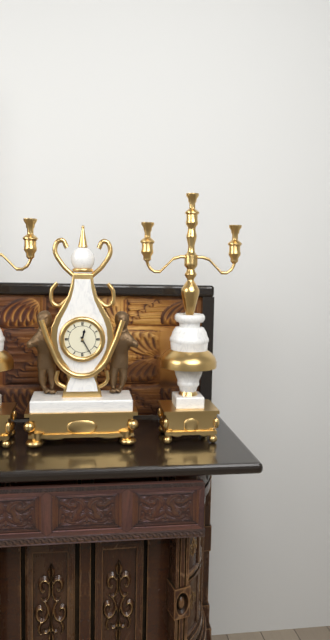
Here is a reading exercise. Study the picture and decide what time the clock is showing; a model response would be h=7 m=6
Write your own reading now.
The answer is h=12 m=25
